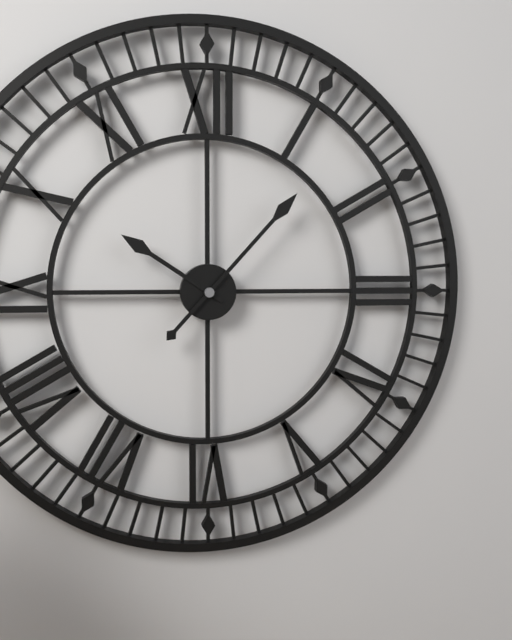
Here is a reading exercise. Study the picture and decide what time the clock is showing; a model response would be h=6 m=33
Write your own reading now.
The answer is h=10 m=7
